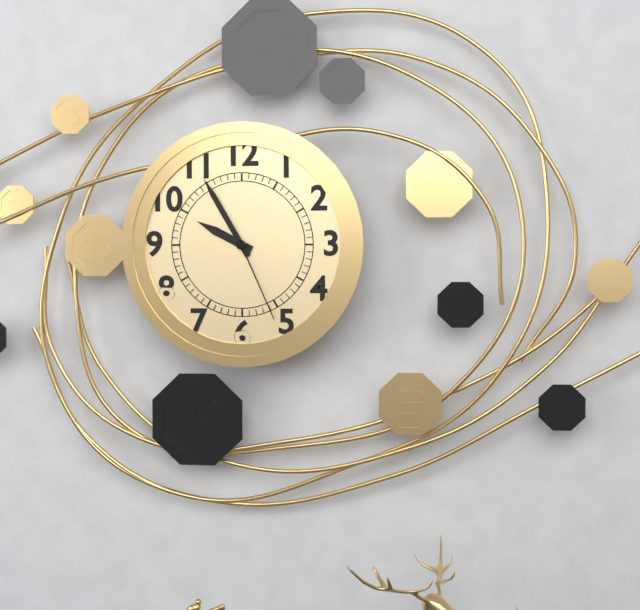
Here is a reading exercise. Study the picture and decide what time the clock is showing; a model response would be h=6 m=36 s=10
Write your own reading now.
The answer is h=9 m=55 s=26
